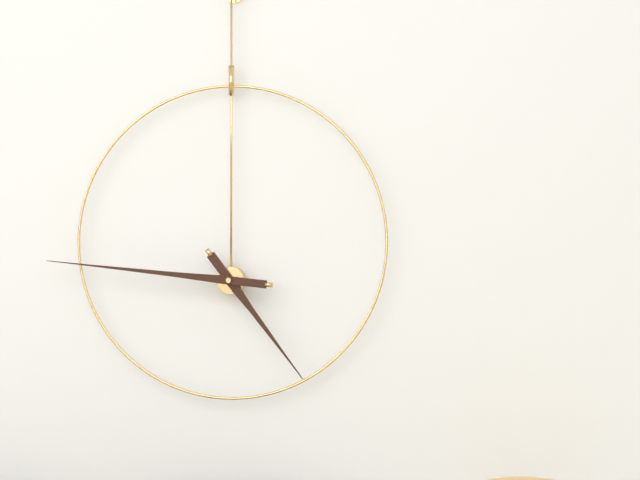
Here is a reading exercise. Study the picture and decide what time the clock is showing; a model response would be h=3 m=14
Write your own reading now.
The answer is h=4 m=46
